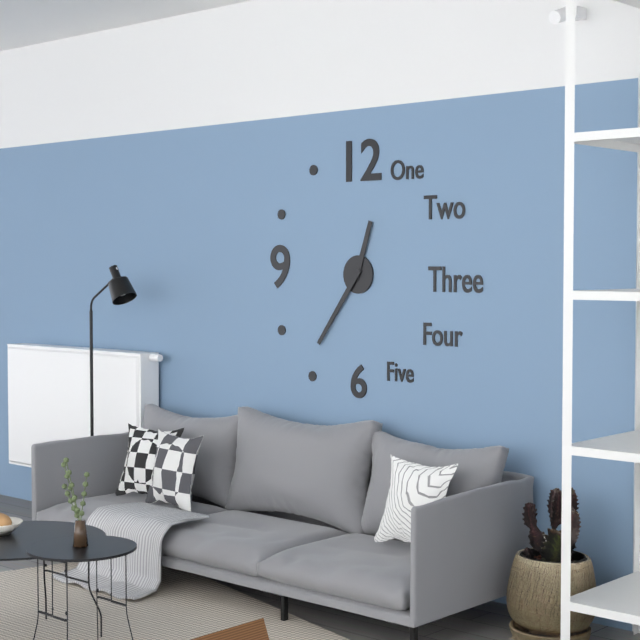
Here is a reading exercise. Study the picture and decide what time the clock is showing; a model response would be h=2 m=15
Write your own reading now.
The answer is h=12 m=36
